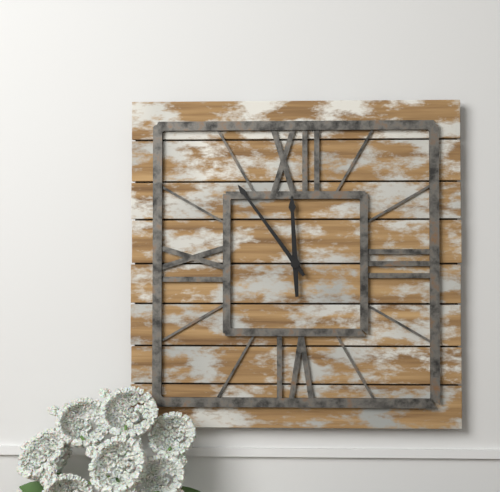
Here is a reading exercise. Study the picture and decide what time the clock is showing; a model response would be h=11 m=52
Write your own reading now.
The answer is h=11 m=54
